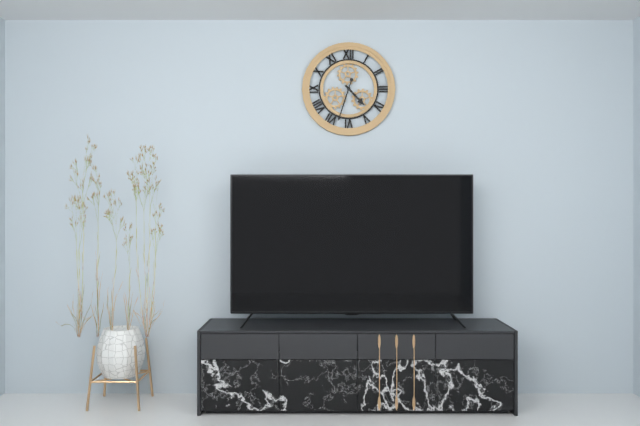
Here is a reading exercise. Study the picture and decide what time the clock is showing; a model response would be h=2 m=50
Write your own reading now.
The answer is h=4 m=33
